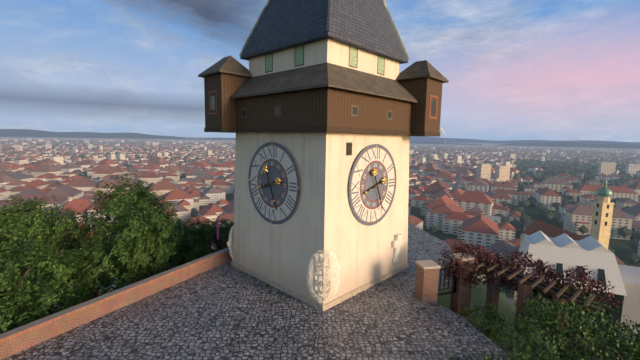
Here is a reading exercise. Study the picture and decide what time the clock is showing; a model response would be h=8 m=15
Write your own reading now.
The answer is h=8 m=26
